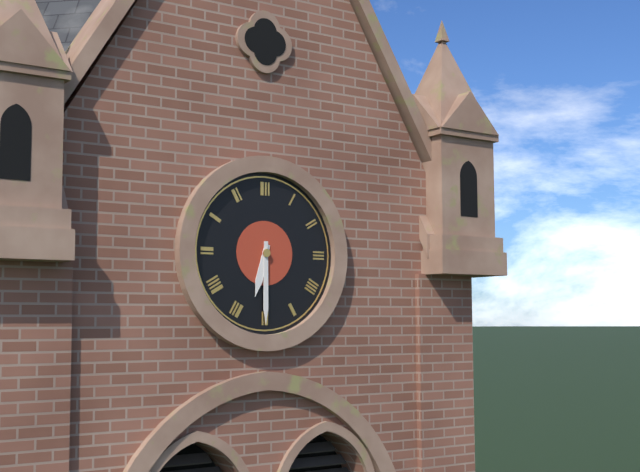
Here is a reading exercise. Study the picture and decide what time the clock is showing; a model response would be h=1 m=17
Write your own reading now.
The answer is h=6 m=30
